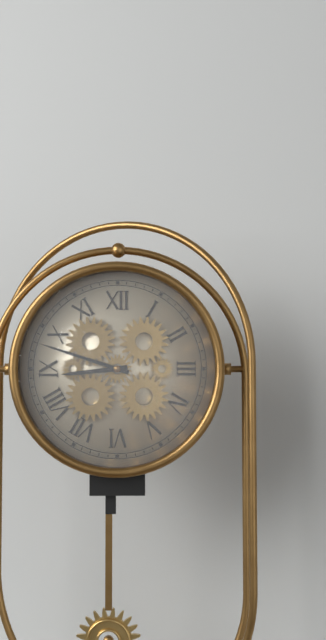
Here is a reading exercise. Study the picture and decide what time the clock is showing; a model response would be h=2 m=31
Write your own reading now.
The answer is h=8 m=48
